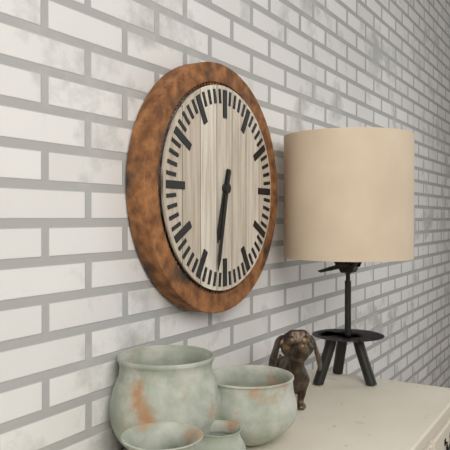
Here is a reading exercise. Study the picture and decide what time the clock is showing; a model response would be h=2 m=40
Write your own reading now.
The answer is h=6 m=32
